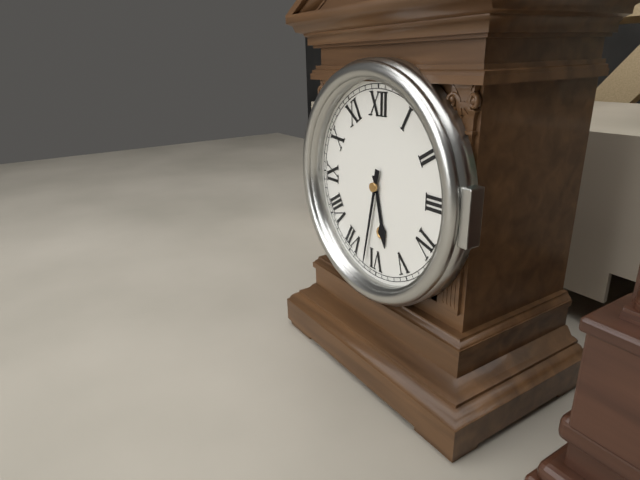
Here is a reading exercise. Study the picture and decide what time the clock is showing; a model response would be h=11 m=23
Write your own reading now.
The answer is h=5 m=32
